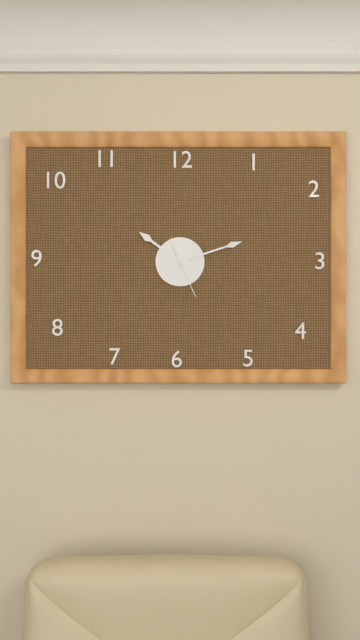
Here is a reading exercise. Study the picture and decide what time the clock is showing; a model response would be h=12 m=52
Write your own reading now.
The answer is h=10 m=12
